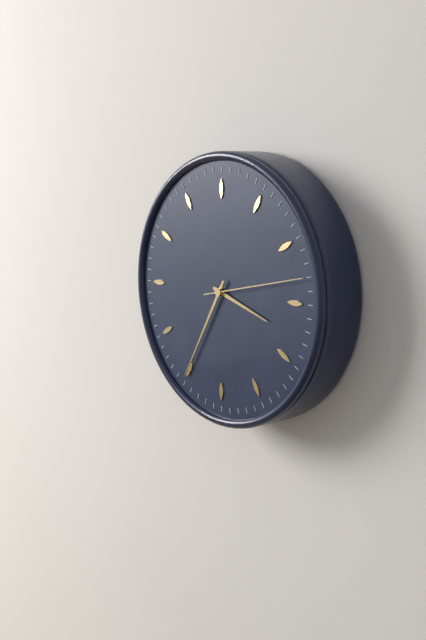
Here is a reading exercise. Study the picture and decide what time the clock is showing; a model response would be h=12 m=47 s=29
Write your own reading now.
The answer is h=3 m=35 s=13
